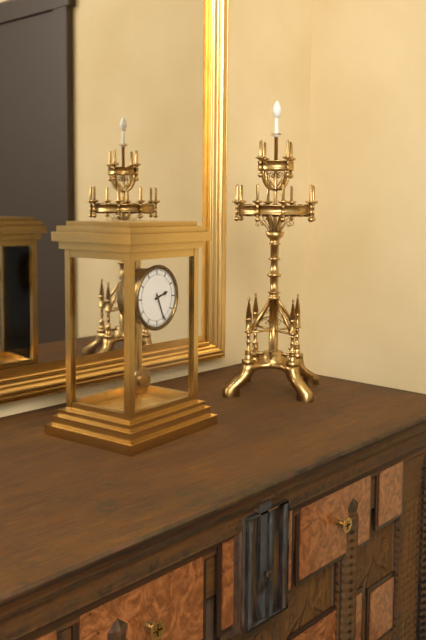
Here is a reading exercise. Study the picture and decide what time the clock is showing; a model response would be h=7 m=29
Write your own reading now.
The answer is h=2 m=26
